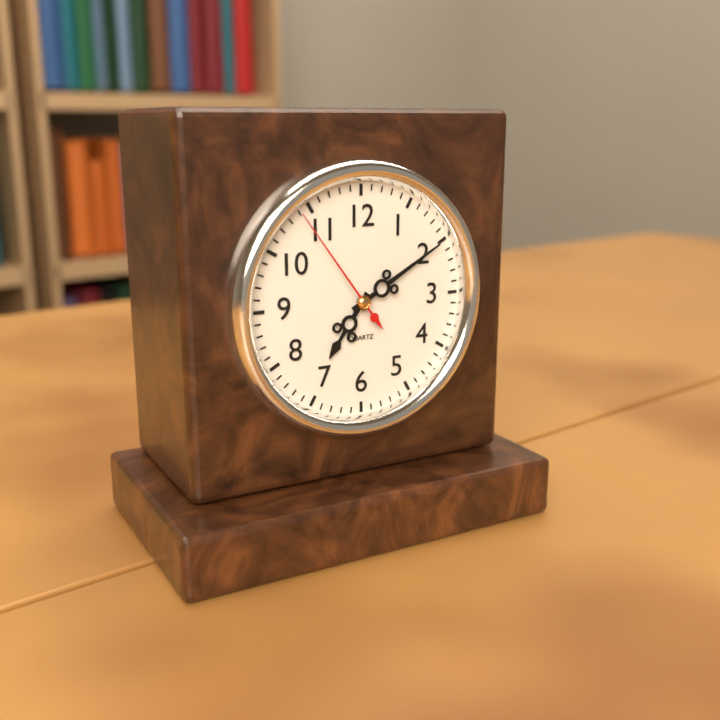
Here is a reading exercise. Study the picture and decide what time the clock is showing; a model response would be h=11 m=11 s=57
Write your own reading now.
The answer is h=7 m=10 s=54
